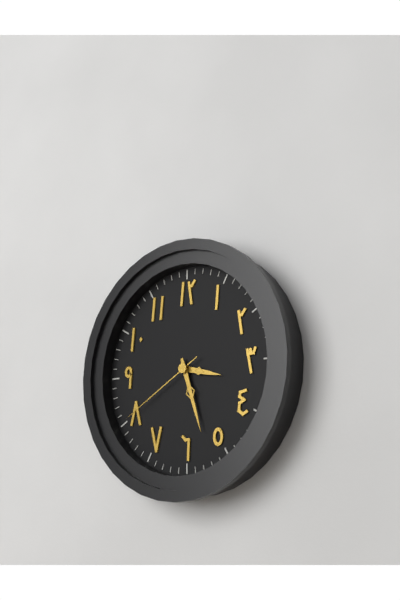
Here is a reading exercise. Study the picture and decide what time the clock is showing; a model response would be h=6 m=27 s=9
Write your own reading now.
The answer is h=3 m=27 s=40
